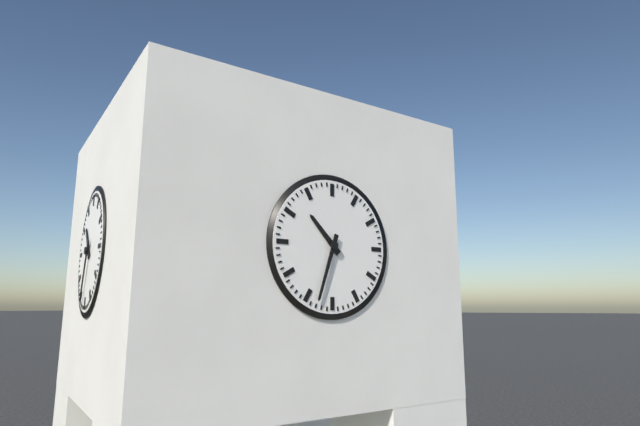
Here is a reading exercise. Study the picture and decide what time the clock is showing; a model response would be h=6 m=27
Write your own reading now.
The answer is h=10 m=33
